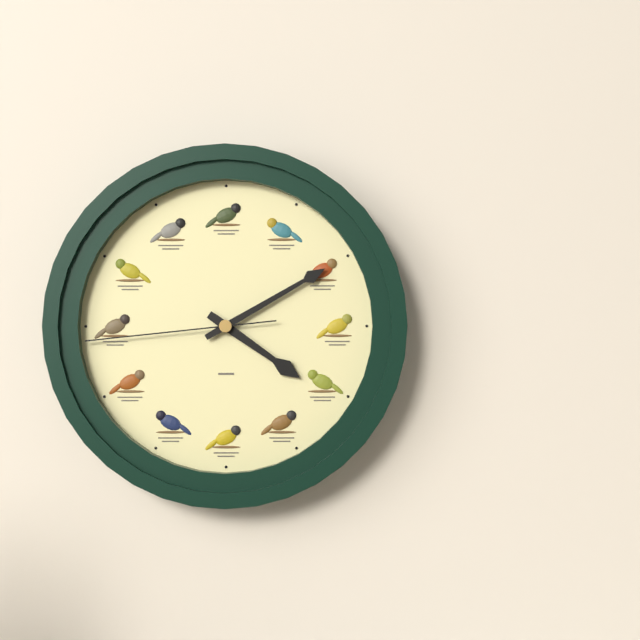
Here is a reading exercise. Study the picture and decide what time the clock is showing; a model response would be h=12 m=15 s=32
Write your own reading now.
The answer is h=4 m=10 s=44
